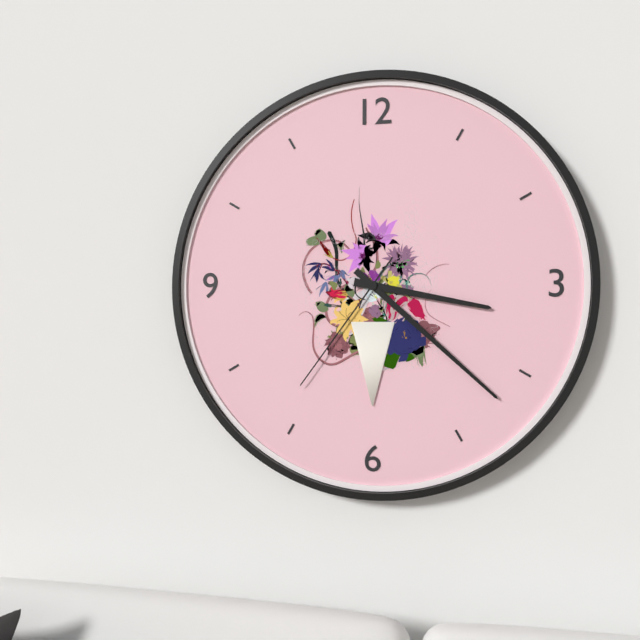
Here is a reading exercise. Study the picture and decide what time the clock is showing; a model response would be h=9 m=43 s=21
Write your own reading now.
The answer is h=3 m=22 s=36
